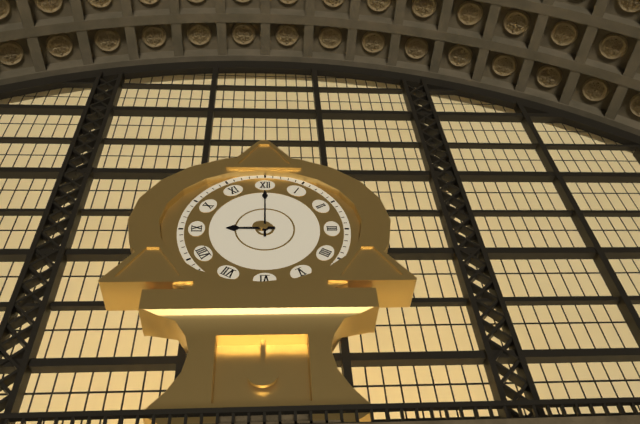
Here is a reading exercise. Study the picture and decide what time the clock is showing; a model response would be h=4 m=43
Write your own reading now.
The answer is h=9 m=0
